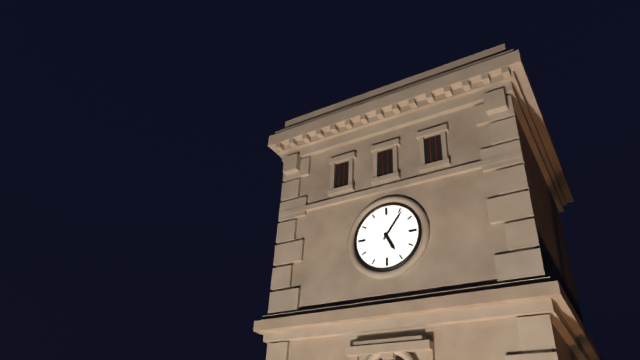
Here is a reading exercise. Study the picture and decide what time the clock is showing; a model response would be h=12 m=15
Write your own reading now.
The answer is h=5 m=6
